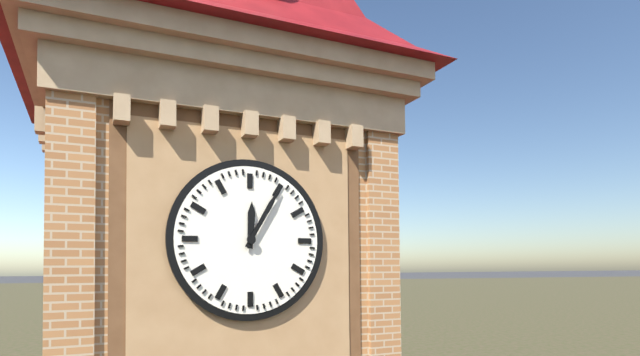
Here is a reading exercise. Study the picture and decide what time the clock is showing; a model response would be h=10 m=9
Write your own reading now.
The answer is h=12 m=5
